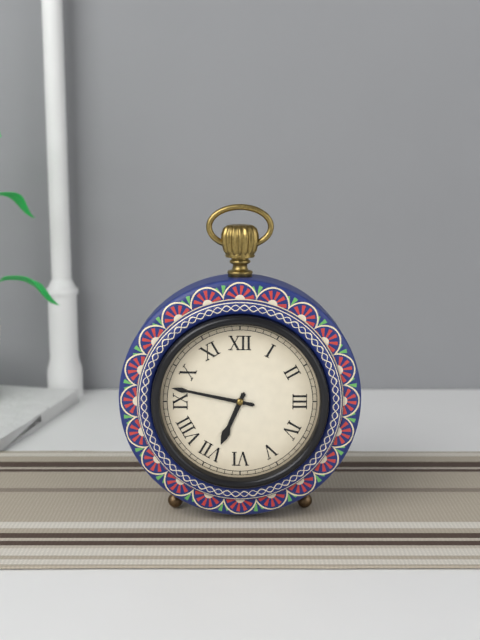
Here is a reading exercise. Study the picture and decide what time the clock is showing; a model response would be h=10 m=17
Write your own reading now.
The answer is h=6 m=47
